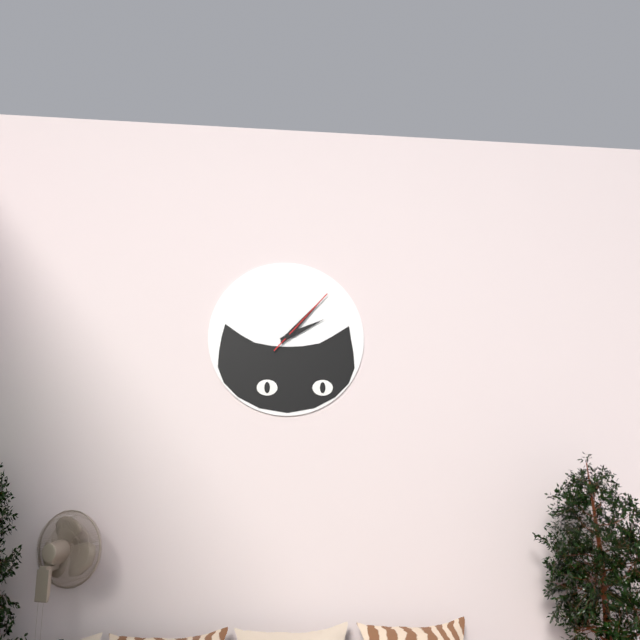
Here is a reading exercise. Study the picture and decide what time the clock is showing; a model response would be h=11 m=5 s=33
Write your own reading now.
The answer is h=2 m=7 s=7
